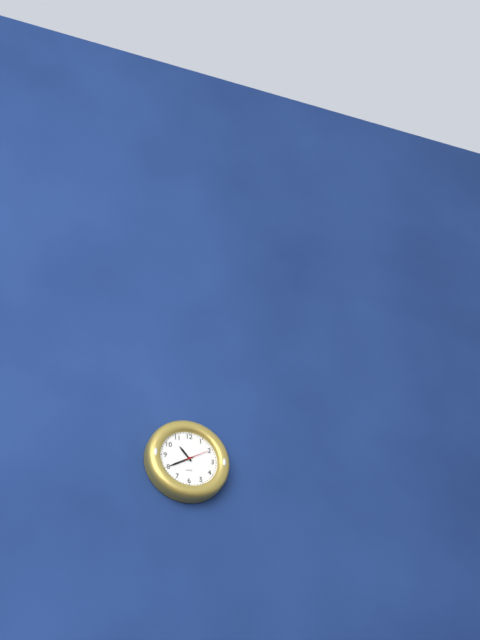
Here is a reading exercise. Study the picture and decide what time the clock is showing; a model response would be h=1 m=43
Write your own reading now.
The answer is h=10 m=40
